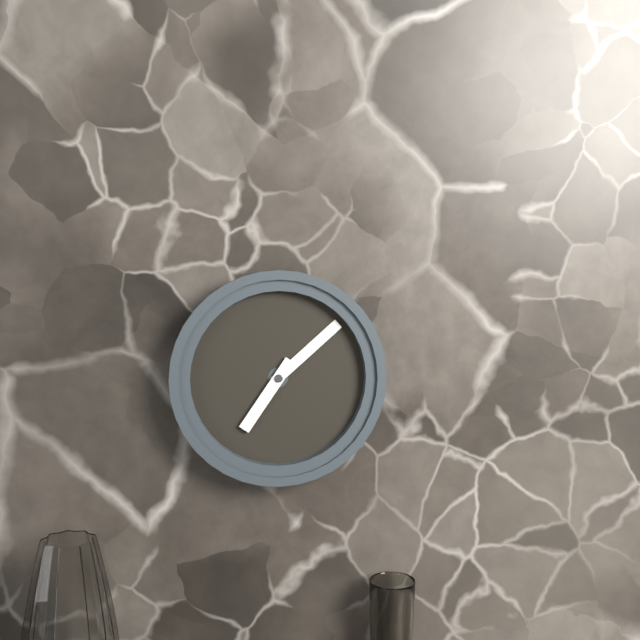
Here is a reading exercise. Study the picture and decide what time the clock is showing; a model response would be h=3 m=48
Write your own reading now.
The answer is h=7 m=8
